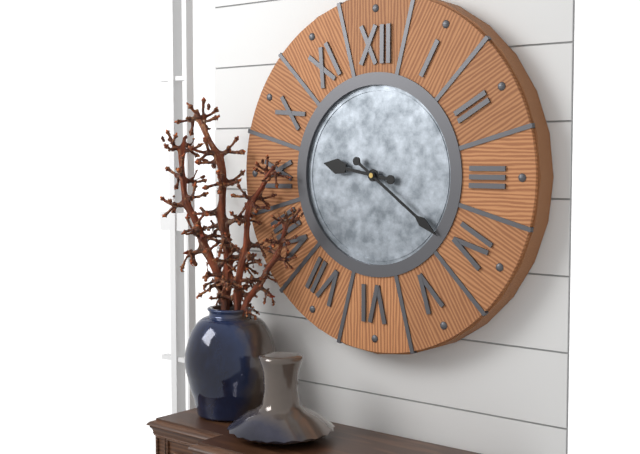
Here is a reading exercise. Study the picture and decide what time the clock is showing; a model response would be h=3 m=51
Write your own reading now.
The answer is h=9 m=21
